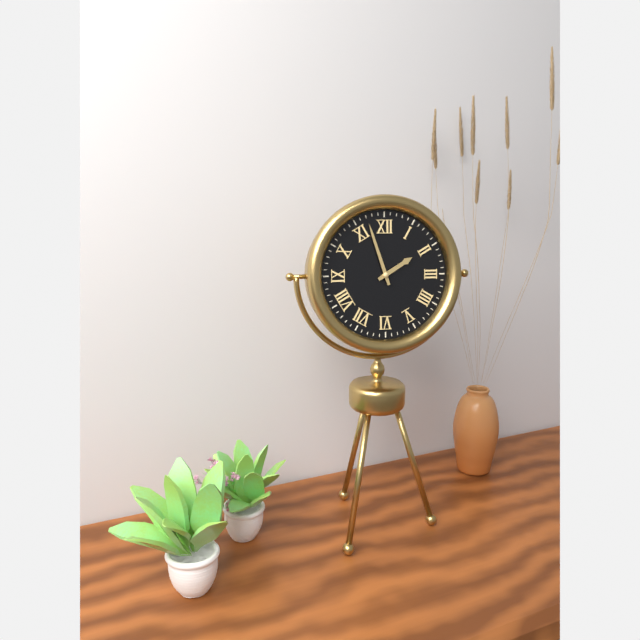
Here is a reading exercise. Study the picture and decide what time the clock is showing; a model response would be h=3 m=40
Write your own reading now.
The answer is h=1 m=57
